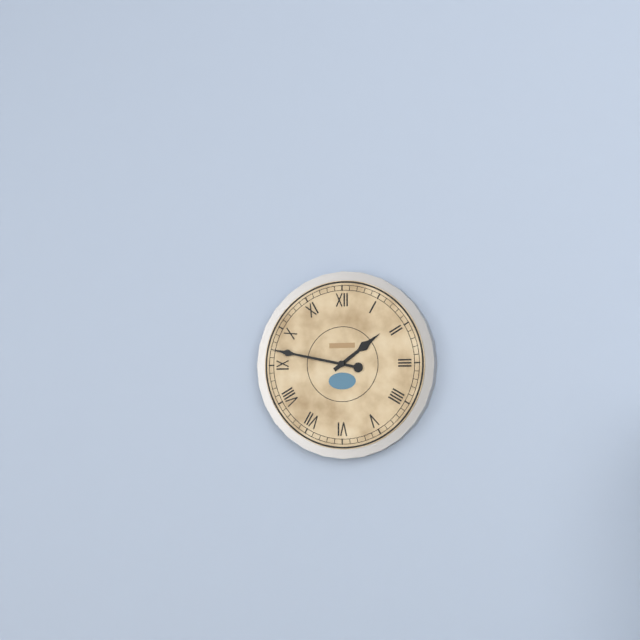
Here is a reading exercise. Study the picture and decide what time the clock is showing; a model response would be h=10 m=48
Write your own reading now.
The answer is h=1 m=47
